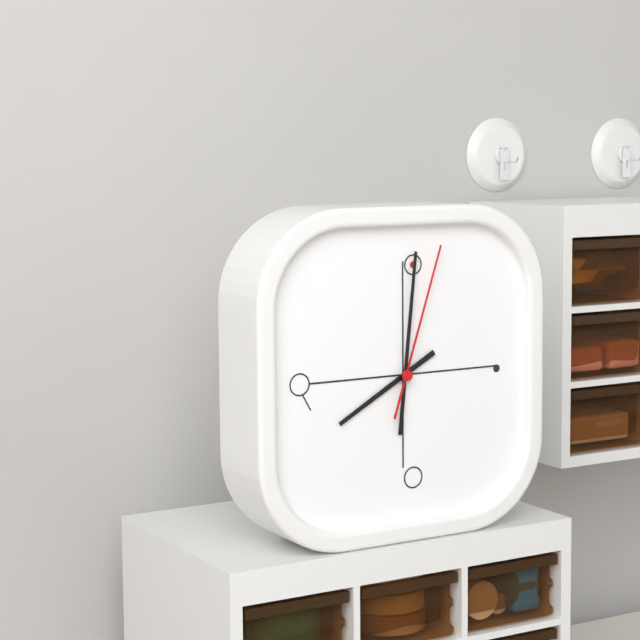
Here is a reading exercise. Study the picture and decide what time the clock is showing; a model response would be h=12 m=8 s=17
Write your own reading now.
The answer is h=8 m=1 s=3
